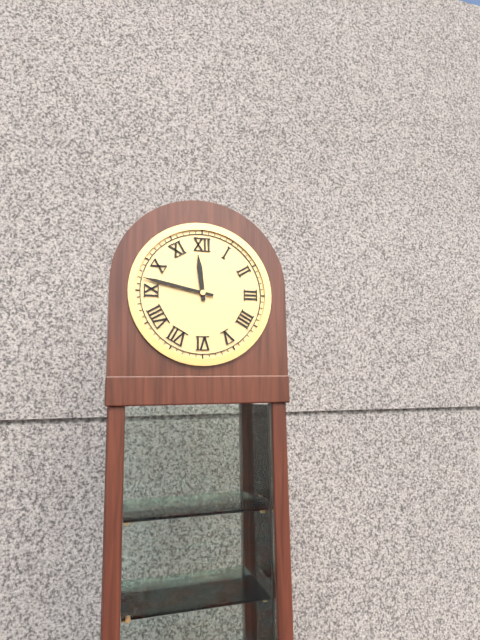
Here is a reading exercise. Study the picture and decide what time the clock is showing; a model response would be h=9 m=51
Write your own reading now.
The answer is h=11 m=47
